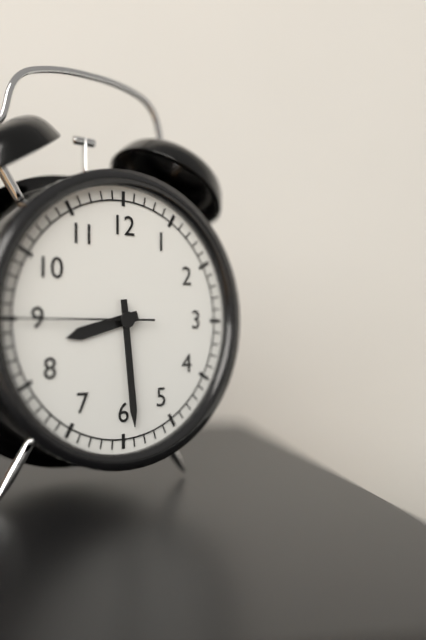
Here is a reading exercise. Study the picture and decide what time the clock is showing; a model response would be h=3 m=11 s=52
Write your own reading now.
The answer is h=8 m=29 s=45
